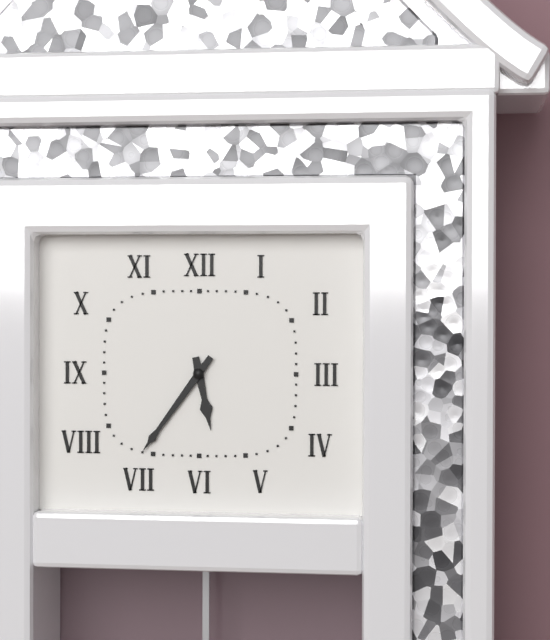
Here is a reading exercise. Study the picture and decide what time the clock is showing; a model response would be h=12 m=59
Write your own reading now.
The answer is h=5 m=36
